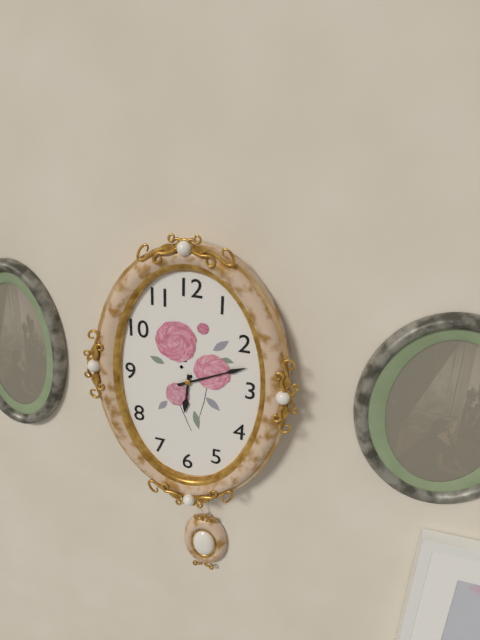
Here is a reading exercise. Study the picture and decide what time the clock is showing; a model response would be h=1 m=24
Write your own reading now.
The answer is h=6 m=11
